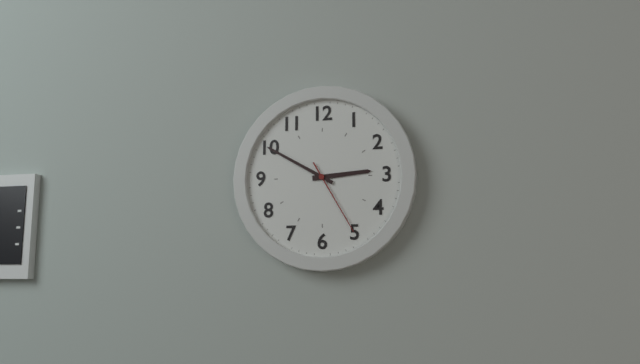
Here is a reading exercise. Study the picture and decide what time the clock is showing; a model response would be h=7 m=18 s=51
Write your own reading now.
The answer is h=2 m=50 s=25
